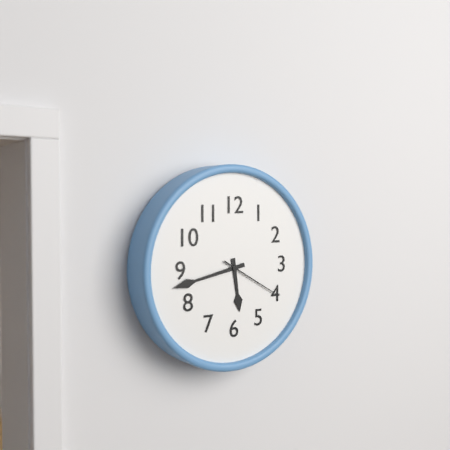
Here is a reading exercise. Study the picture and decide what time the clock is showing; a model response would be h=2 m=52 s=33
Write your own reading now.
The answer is h=5 m=43 s=20
